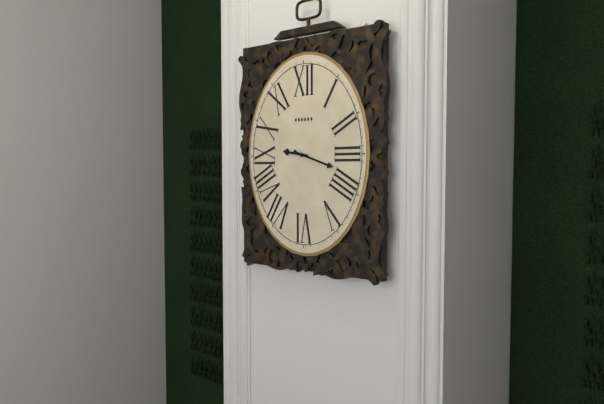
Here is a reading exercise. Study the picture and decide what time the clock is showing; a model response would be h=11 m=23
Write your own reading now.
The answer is h=9 m=18
